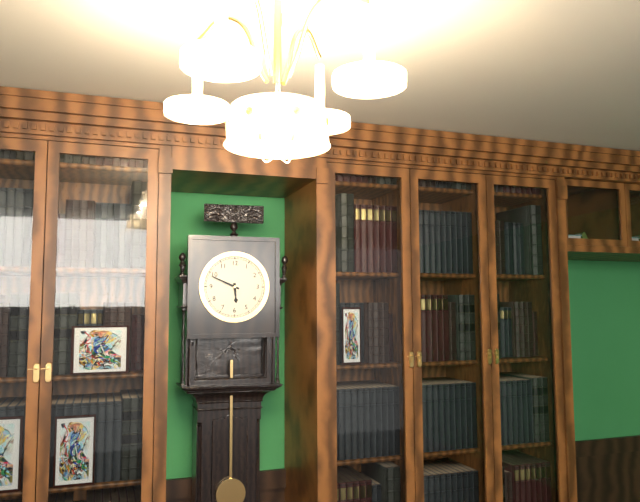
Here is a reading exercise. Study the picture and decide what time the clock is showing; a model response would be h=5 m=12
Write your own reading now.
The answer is h=5 m=49
